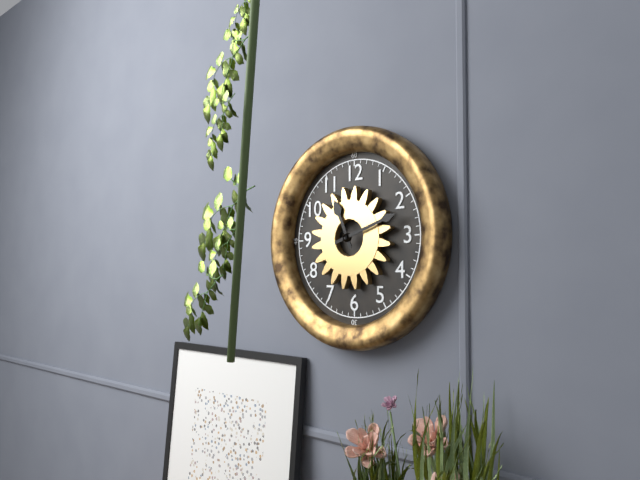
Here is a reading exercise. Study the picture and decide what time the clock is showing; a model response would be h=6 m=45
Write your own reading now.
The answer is h=11 m=12
